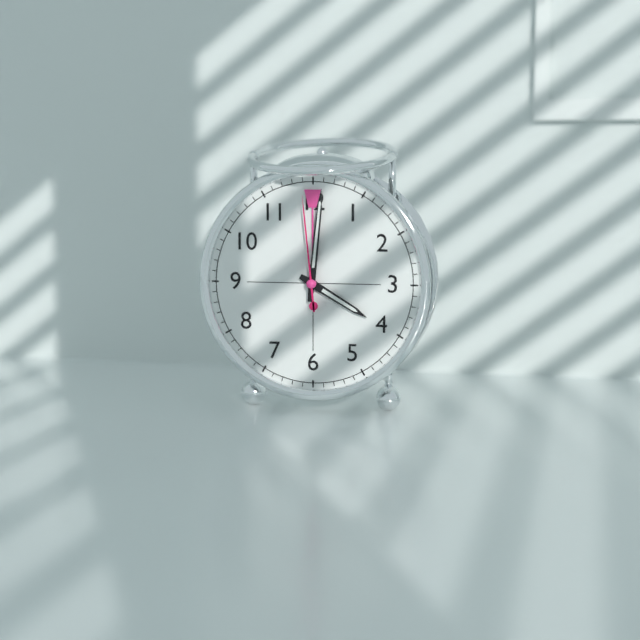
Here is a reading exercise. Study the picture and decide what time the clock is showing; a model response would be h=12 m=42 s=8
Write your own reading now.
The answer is h=4 m=1 s=59
